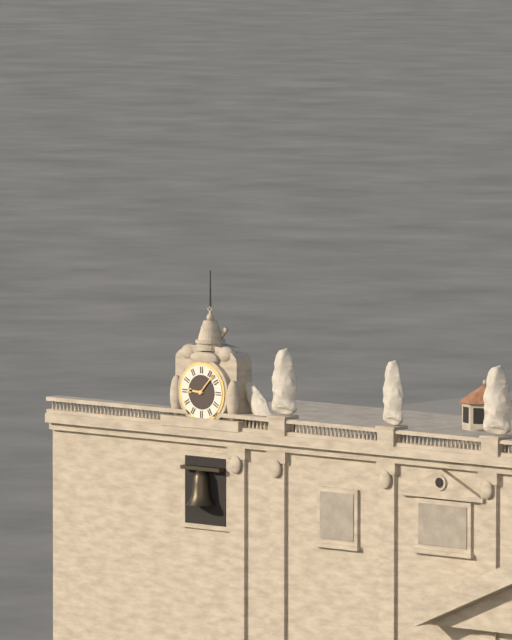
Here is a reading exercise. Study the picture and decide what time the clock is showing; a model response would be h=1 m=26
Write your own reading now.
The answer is h=9 m=7
